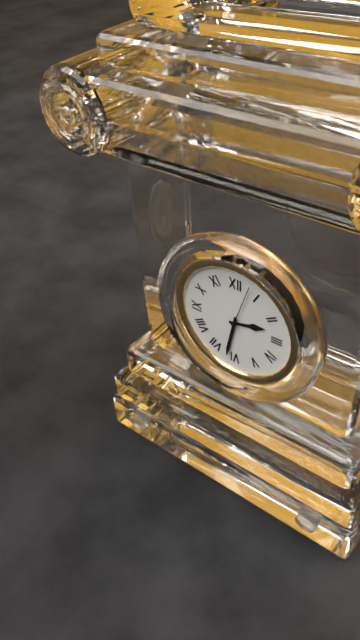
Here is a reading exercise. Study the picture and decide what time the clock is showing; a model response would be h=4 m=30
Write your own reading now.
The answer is h=2 m=32
